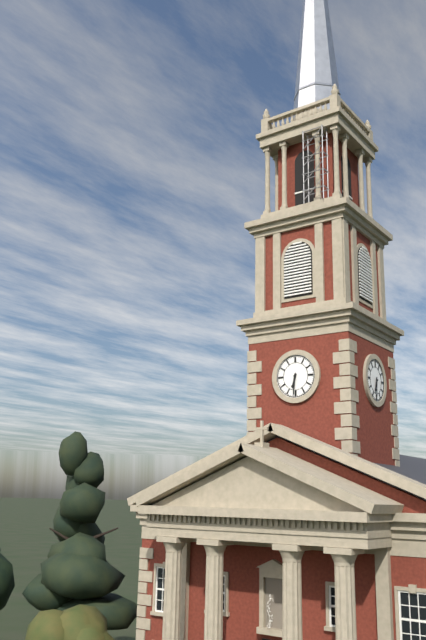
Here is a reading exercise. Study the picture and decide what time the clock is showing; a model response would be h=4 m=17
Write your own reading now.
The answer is h=6 m=31
